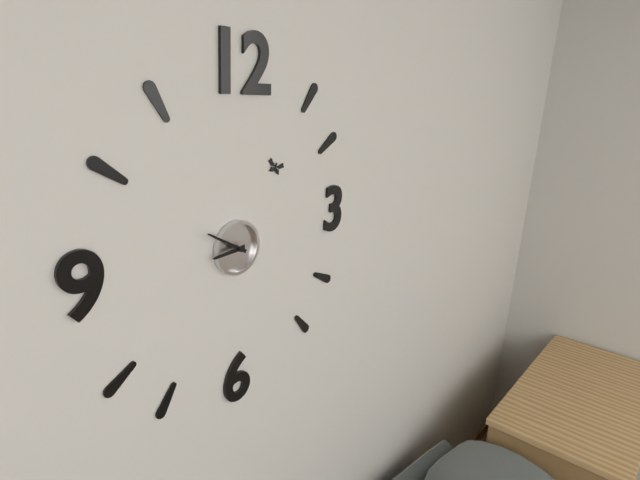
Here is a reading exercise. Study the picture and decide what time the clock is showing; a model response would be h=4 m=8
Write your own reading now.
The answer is h=8 m=50
